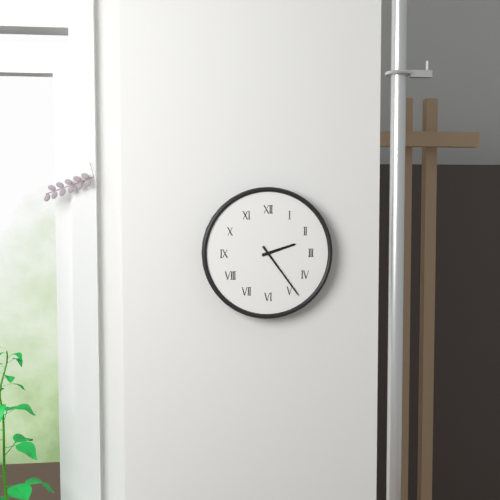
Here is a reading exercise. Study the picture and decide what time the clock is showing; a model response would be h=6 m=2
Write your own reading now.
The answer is h=2 m=24
